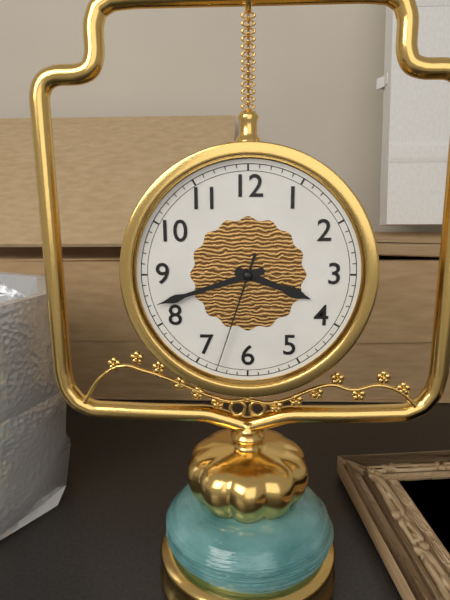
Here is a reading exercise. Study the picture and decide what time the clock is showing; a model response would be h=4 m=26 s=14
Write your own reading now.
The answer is h=3 m=42 s=33
